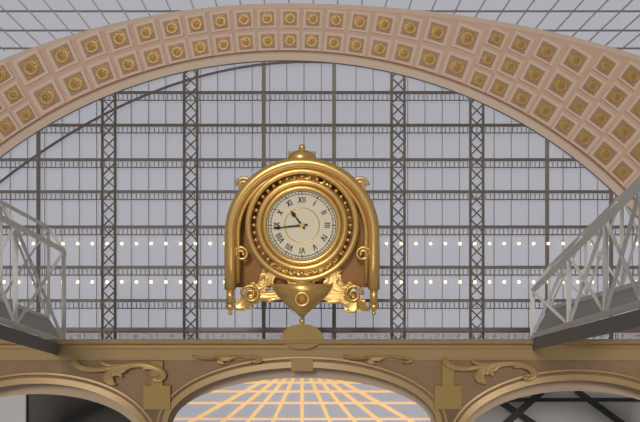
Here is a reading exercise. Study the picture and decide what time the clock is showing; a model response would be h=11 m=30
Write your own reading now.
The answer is h=10 m=44
